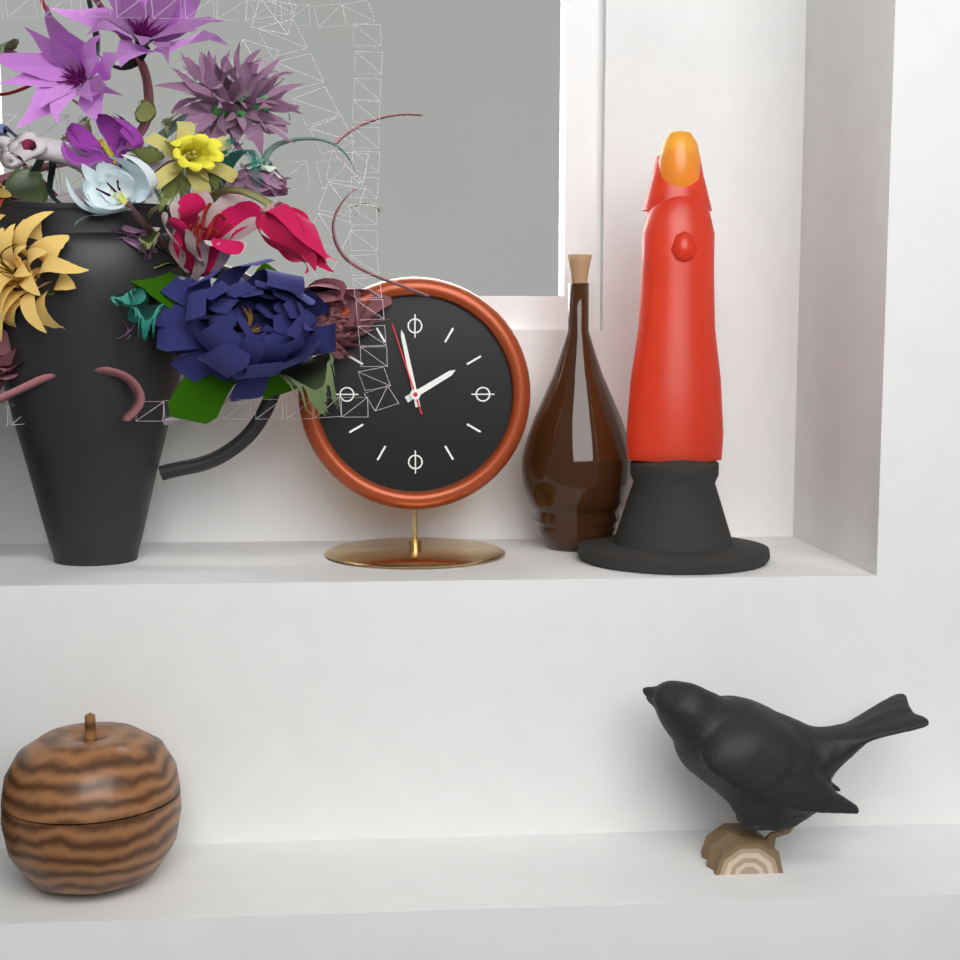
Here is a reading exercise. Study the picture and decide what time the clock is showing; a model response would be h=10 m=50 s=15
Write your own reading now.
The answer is h=1 m=58 s=57
